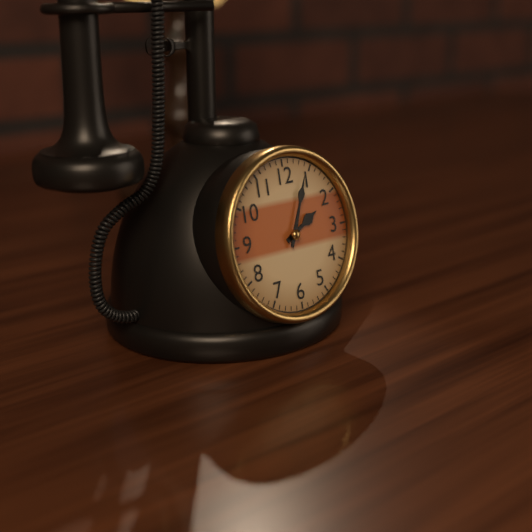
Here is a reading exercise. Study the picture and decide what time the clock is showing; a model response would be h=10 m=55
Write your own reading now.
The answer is h=2 m=4
